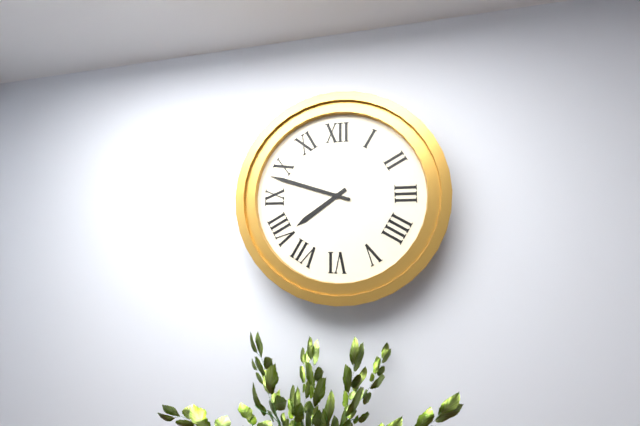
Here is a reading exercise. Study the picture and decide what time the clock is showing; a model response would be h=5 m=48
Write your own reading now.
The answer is h=7 m=48
